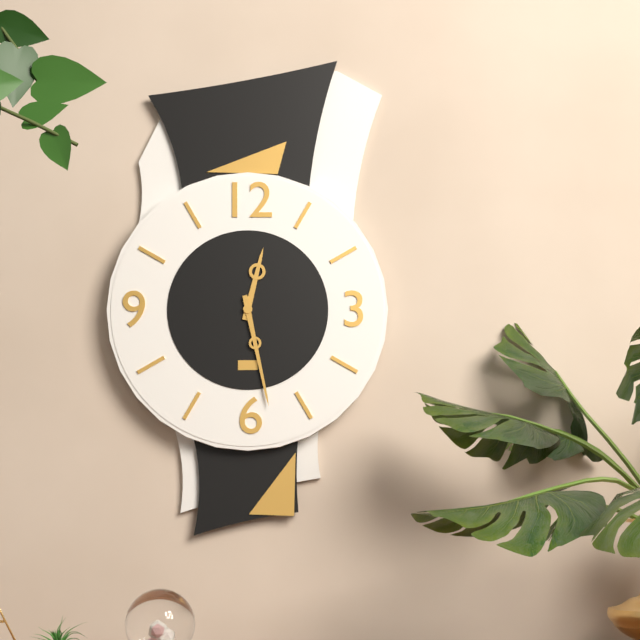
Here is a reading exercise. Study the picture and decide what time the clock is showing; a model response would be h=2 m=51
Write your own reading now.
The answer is h=12 m=28
